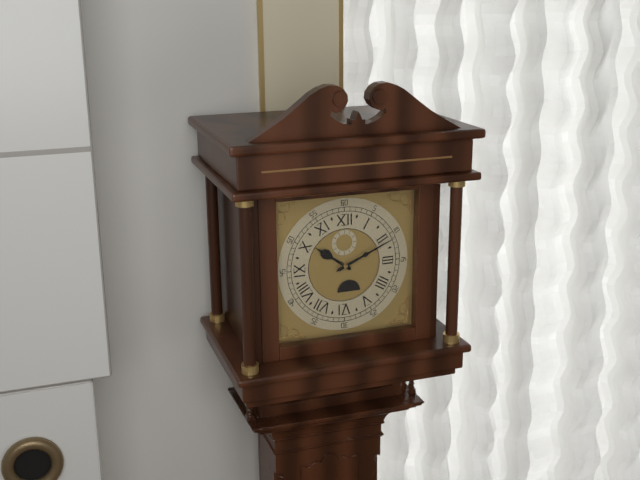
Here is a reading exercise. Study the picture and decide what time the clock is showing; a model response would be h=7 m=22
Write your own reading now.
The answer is h=10 m=11
